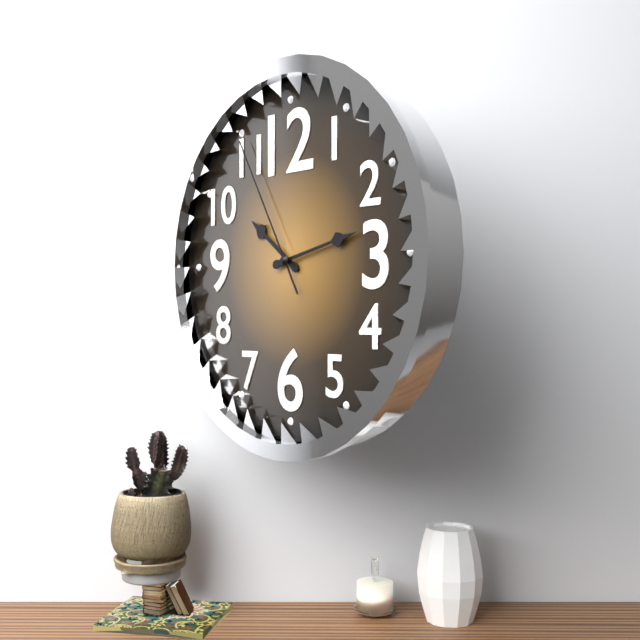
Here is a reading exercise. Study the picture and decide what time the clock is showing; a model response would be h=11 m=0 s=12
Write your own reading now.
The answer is h=10 m=13 s=55
